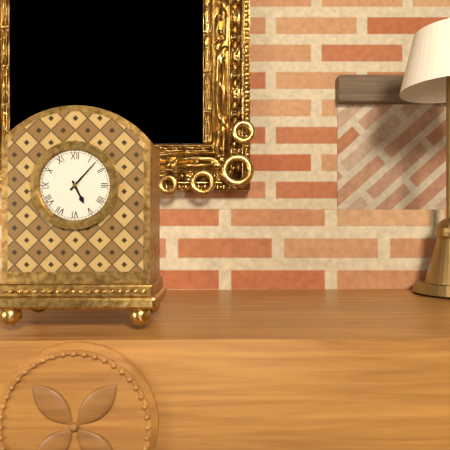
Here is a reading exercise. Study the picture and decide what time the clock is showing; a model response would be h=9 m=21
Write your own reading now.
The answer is h=5 m=7
